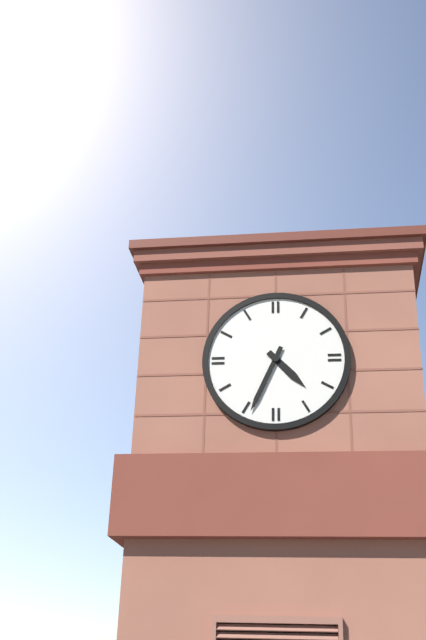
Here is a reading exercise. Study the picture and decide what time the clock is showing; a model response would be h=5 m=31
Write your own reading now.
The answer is h=4 m=34
